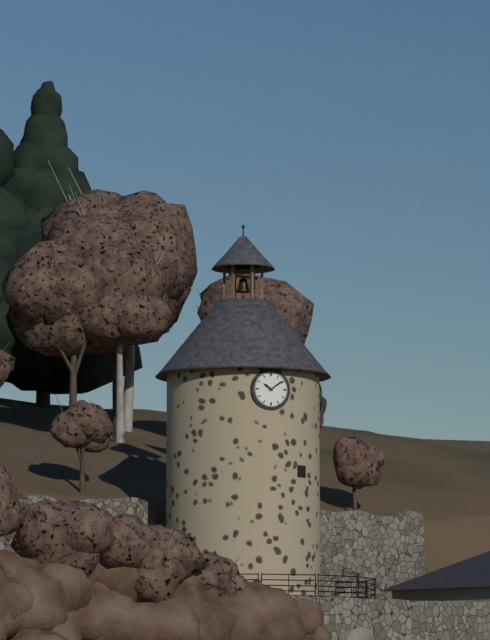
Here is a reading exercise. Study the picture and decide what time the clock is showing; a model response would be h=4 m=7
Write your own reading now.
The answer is h=10 m=9
